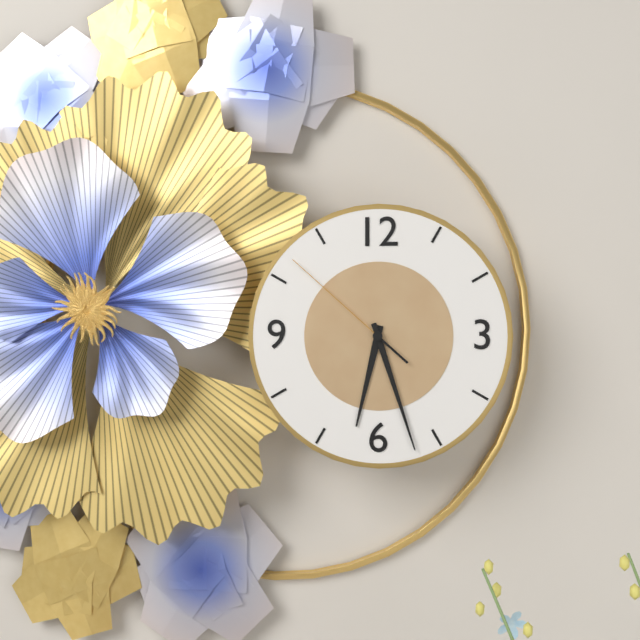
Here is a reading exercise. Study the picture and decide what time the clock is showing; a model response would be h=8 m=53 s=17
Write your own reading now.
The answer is h=6 m=27 s=52
